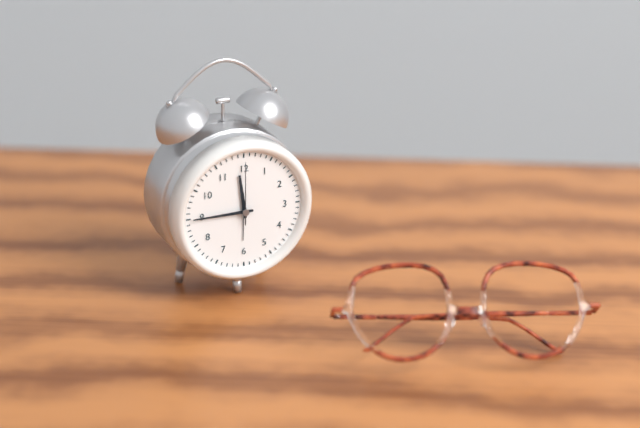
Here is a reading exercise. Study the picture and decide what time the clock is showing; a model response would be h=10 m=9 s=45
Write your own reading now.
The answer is h=11 m=45 s=0
